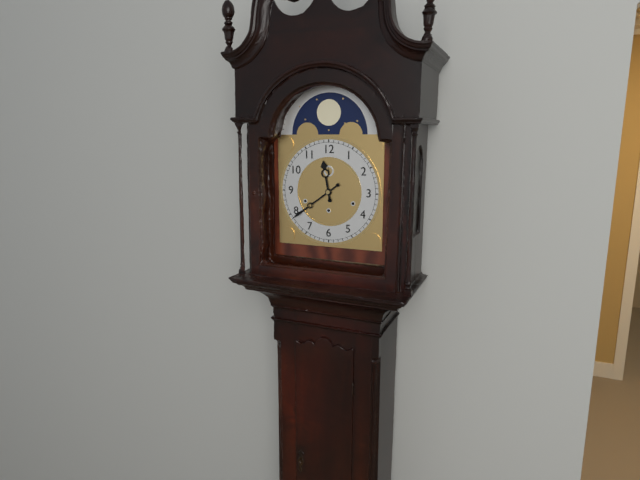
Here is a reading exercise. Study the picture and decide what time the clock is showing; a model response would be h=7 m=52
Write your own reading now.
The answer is h=11 m=39
